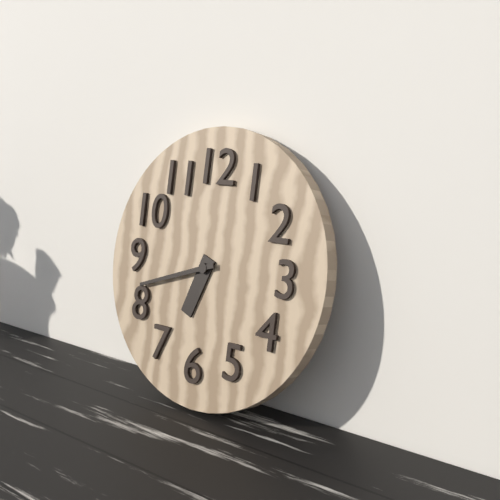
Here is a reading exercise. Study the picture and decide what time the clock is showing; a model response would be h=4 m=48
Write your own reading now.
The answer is h=6 m=42
